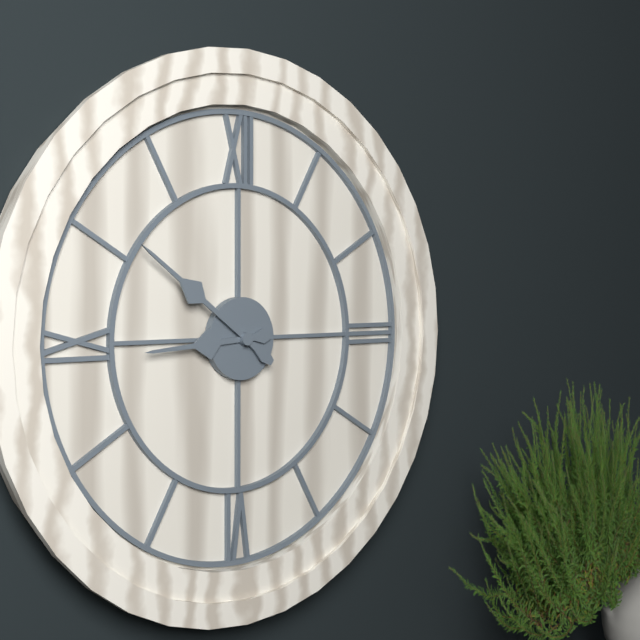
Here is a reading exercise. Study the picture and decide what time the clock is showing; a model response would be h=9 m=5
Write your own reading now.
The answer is h=8 m=51
